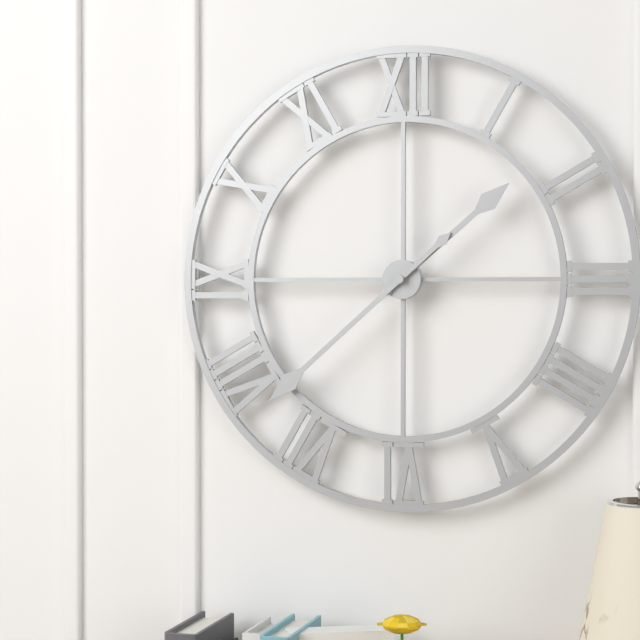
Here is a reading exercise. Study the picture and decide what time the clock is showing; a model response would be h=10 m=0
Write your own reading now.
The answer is h=1 m=38
